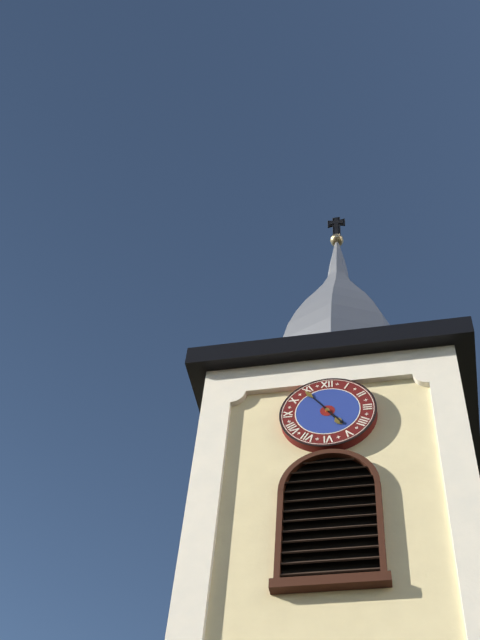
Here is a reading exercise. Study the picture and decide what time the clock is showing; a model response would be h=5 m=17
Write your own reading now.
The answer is h=4 m=54
